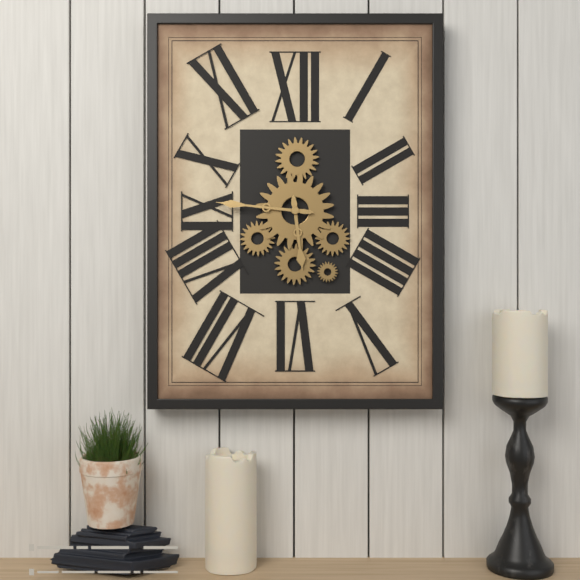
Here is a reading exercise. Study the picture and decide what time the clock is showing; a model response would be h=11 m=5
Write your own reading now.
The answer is h=5 m=46
